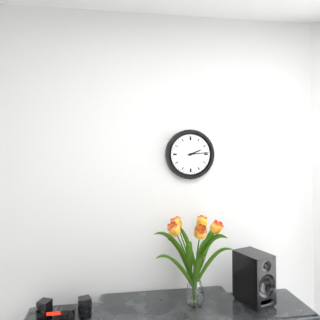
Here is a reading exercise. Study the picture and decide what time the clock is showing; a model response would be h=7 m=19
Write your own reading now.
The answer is h=2 m=14
